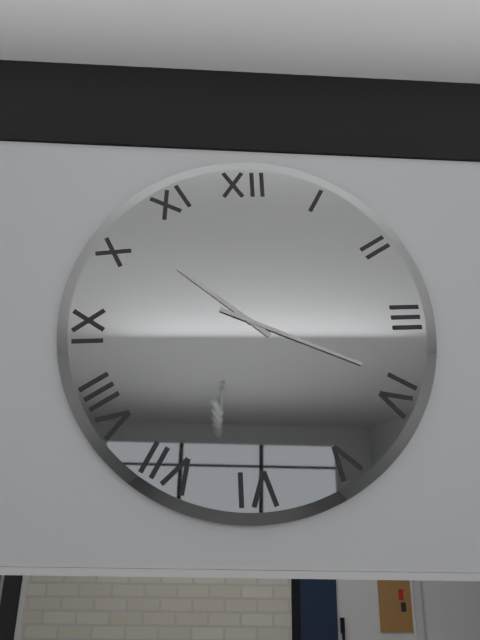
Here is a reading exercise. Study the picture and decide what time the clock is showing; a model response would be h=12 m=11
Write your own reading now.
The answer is h=10 m=19
